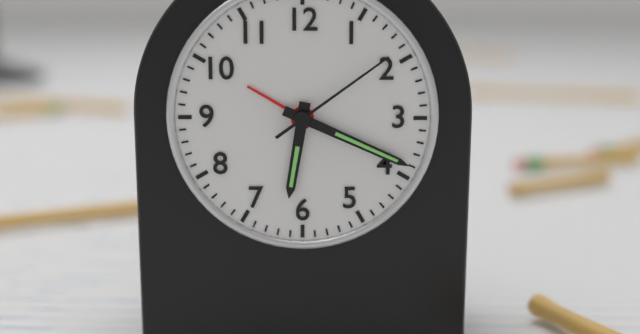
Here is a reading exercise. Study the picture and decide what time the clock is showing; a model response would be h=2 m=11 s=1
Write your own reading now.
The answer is h=6 m=19 s=9
